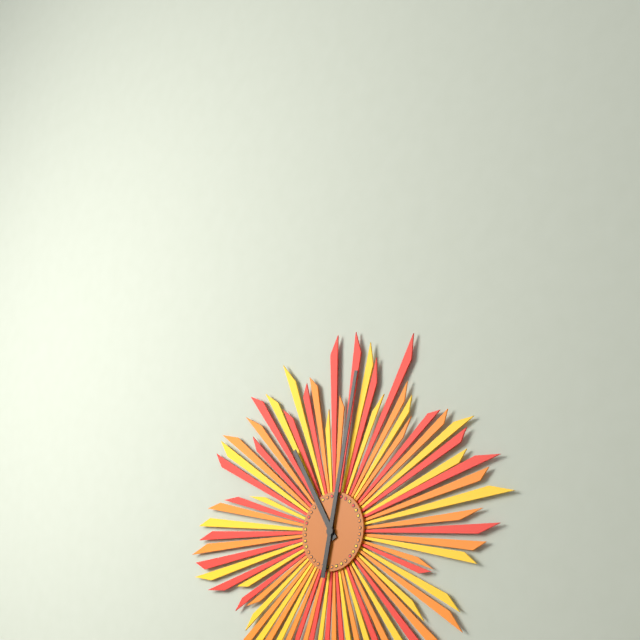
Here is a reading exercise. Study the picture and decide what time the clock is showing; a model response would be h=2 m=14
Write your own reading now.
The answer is h=11 m=2
